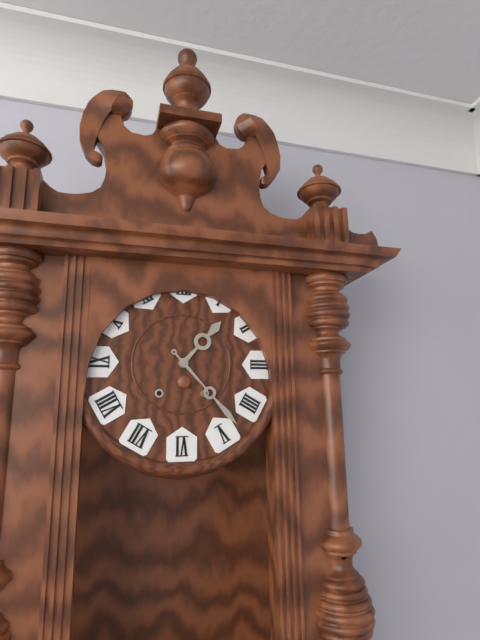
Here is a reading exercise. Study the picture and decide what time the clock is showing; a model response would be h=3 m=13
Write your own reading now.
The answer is h=1 m=23
